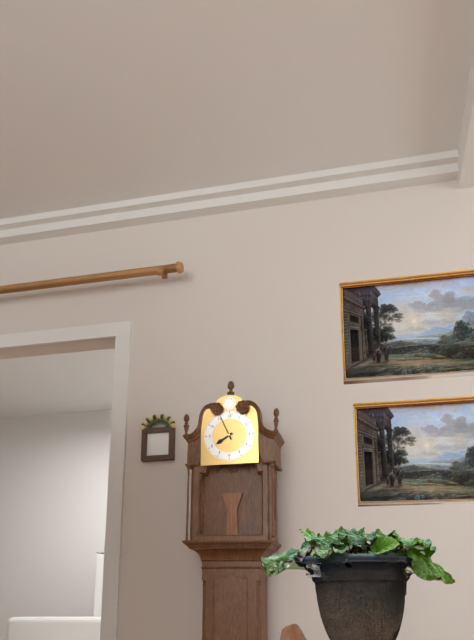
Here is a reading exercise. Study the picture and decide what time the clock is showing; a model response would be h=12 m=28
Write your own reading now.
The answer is h=7 m=56
